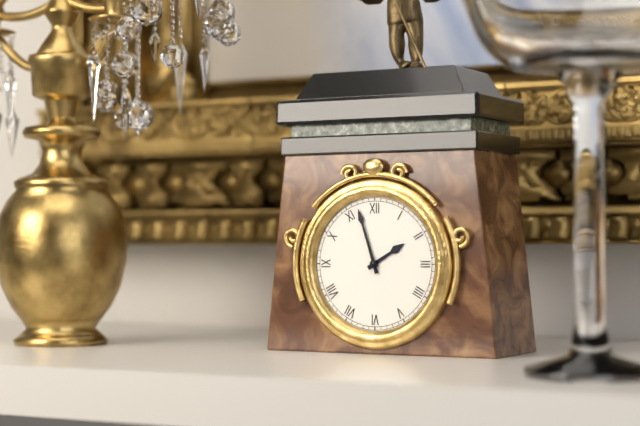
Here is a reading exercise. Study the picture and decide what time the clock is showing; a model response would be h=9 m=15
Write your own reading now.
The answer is h=1 m=57
